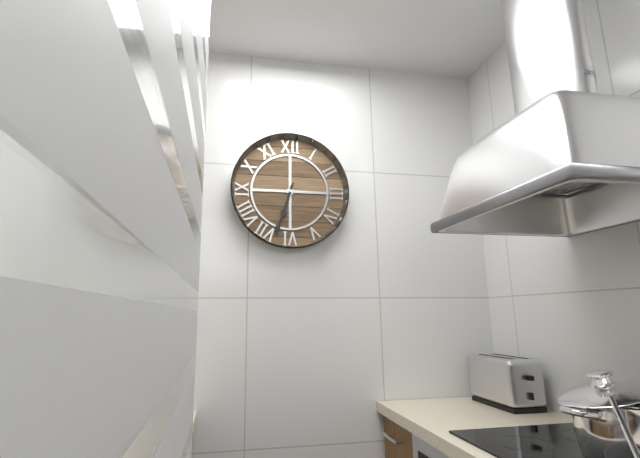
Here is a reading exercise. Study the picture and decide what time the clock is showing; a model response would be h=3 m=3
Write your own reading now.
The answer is h=6 m=33
